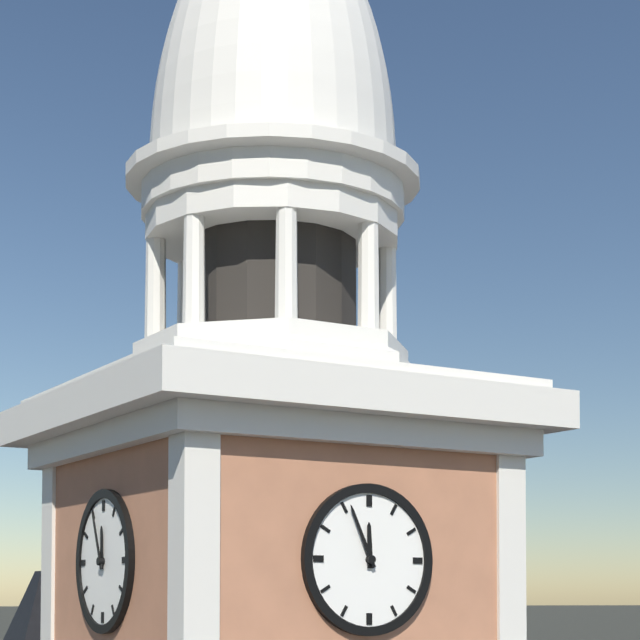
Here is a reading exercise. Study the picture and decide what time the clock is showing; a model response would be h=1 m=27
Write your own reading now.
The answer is h=11 m=56
